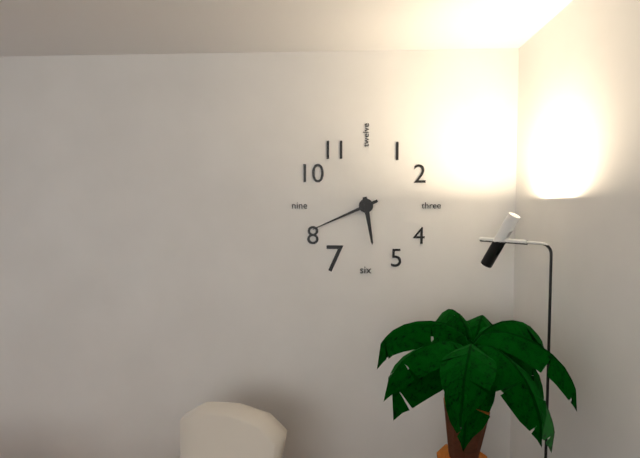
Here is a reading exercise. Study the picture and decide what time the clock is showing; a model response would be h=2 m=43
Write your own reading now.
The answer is h=5 m=41
